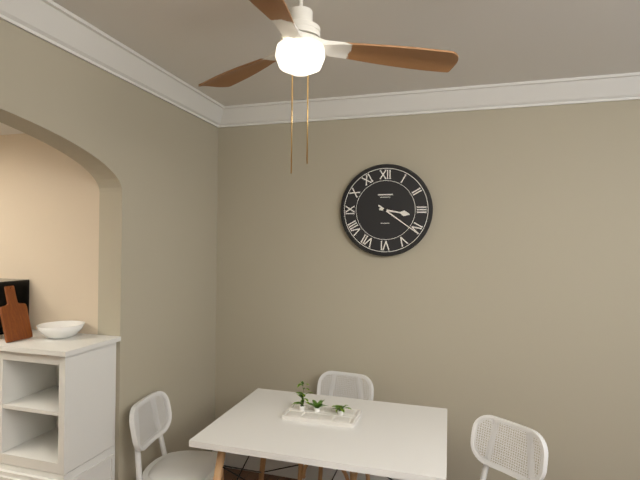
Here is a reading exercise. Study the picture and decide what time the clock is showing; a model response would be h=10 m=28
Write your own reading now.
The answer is h=3 m=21
